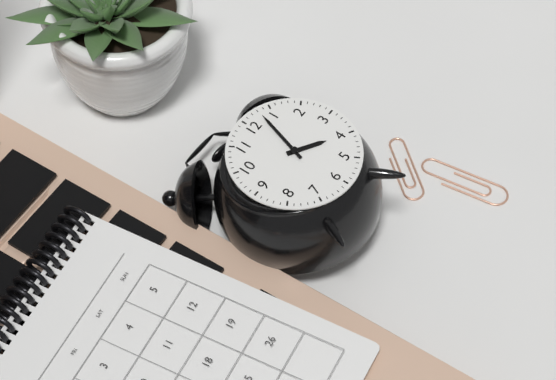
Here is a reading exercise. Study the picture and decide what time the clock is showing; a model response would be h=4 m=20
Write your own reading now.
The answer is h=4 m=3
